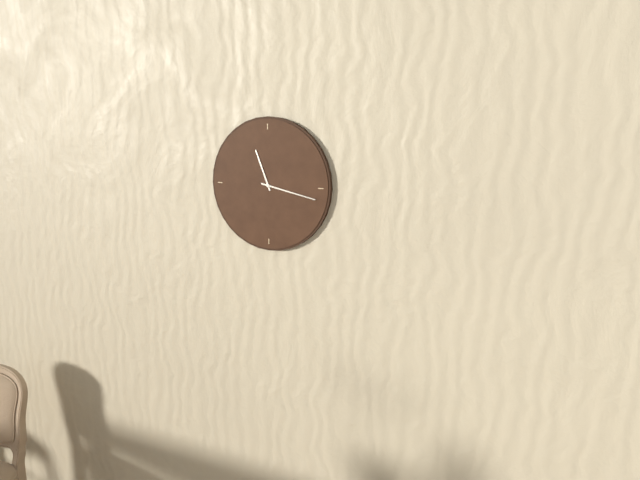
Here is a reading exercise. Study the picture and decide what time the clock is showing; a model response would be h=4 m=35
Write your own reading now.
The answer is h=11 m=17
